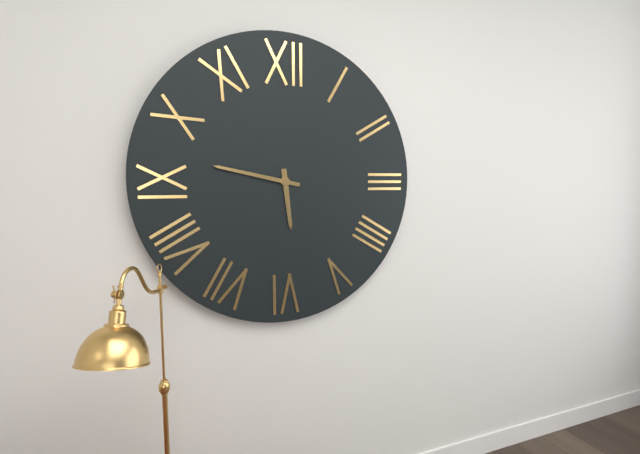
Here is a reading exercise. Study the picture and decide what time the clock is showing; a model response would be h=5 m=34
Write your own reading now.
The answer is h=5 m=47
